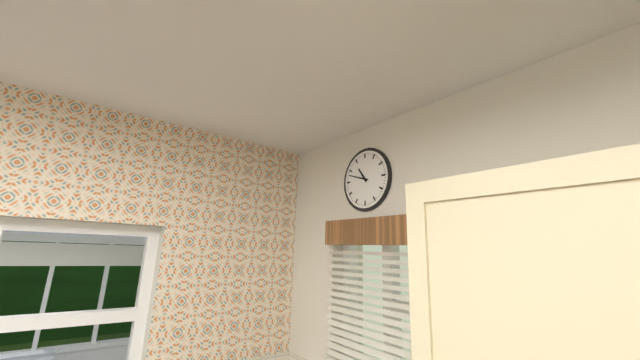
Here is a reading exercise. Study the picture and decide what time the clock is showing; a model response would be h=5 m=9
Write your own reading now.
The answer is h=10 m=48
